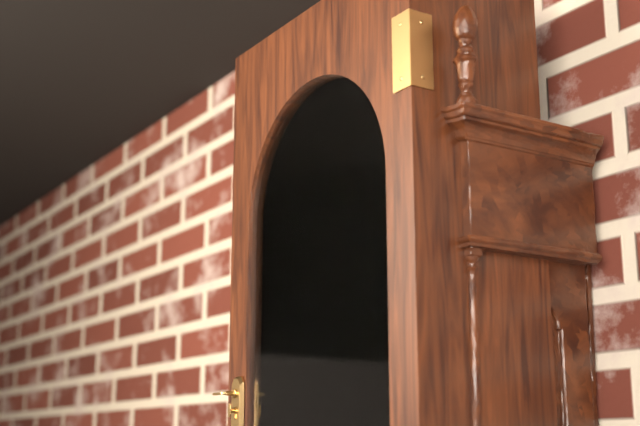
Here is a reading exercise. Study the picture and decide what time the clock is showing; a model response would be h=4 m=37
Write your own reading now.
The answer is h=7 m=3
